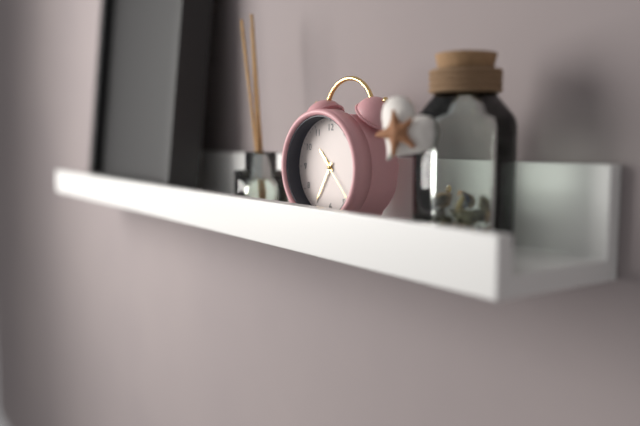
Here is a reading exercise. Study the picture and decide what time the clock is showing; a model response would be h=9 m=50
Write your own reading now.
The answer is h=10 m=35
